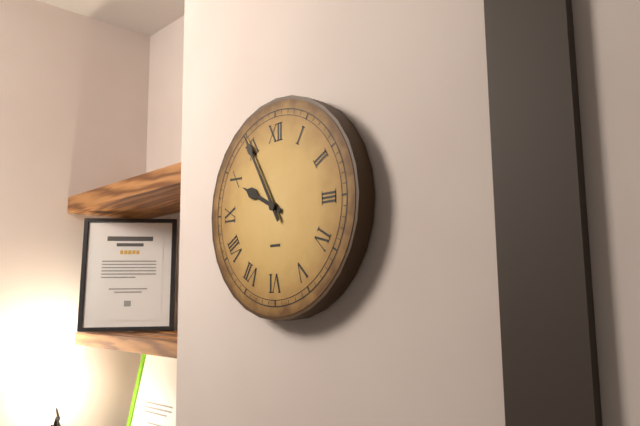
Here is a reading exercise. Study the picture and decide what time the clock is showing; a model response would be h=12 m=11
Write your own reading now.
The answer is h=9 m=55
